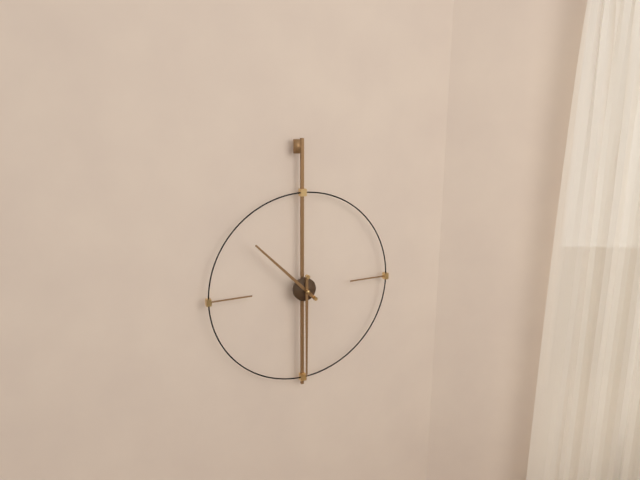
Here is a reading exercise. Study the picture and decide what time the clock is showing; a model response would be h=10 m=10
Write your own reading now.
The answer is h=10 m=30
